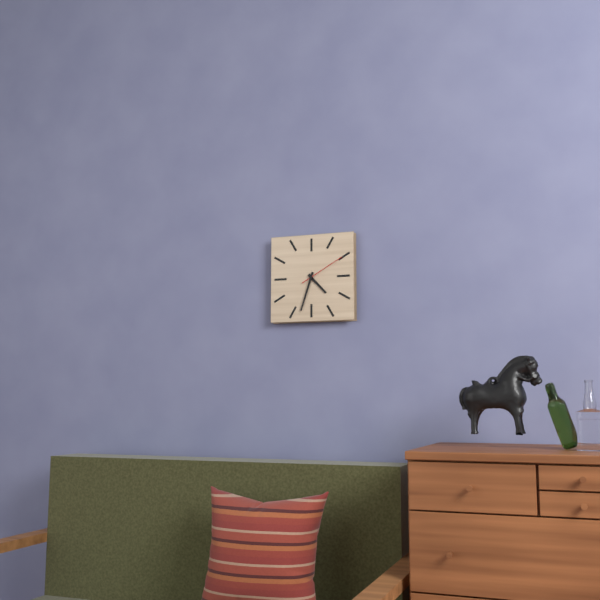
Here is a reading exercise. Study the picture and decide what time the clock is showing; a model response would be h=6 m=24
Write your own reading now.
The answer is h=4 m=33
